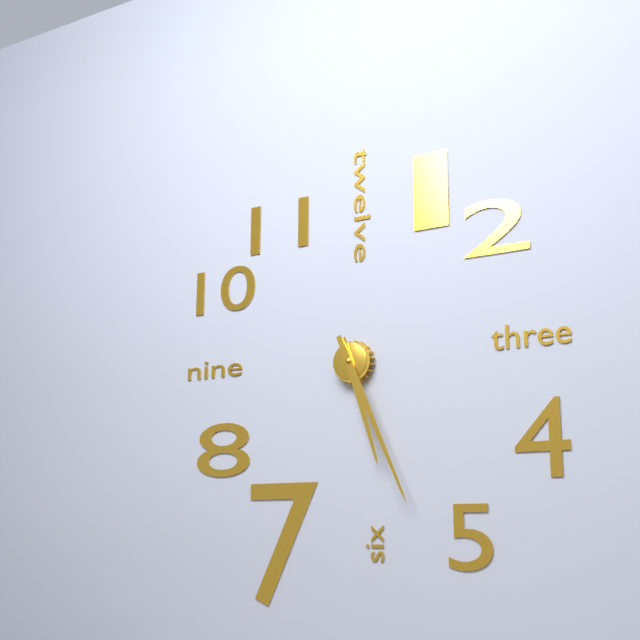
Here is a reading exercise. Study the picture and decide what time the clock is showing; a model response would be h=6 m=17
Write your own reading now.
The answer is h=5 m=26
